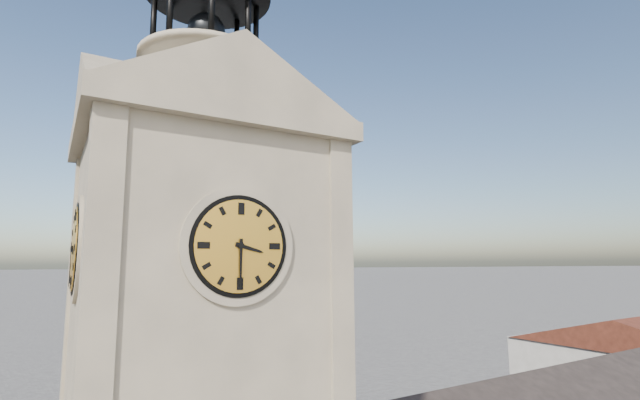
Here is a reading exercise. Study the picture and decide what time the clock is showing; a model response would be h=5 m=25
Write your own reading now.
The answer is h=3 m=30
